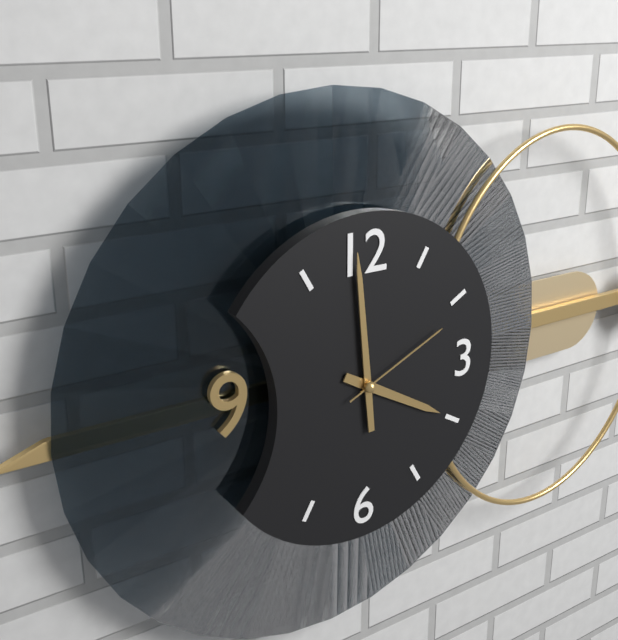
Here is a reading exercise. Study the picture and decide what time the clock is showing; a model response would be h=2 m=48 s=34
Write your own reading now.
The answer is h=3 m=59 s=11
